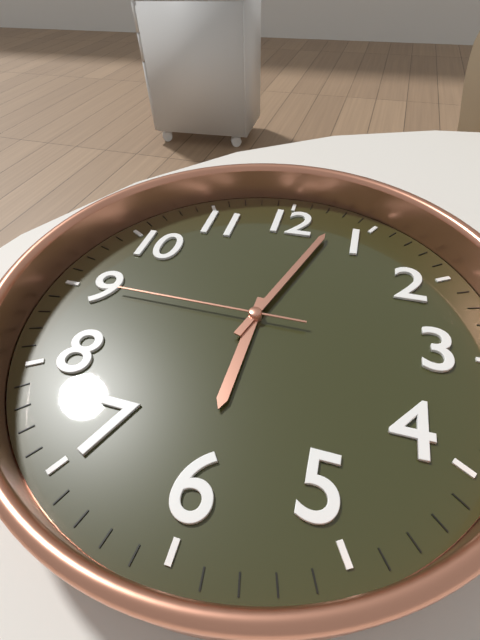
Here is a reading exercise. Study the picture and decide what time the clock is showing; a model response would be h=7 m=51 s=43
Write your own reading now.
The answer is h=6 m=3 s=45
